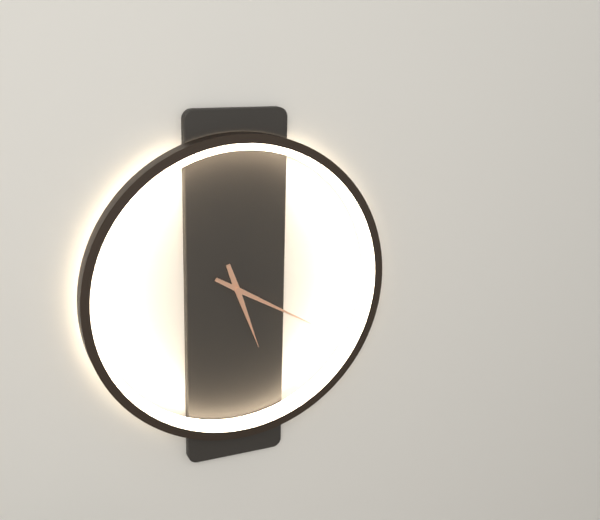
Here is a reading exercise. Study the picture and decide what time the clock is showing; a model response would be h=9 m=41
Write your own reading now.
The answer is h=5 m=20
